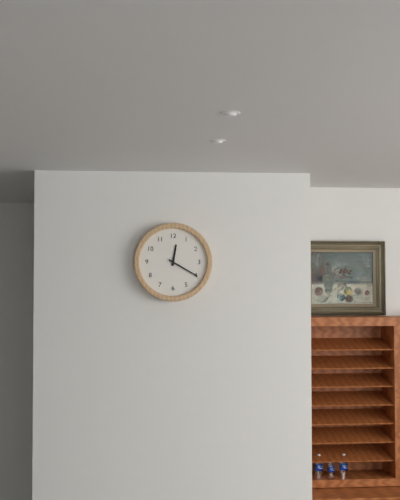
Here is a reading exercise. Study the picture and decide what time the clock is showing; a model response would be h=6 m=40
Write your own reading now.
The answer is h=12 m=20
